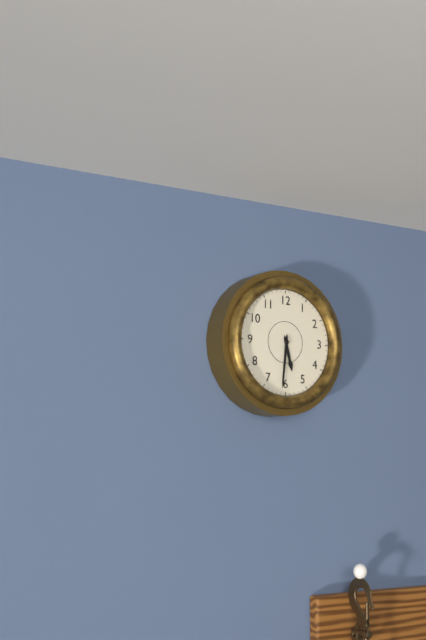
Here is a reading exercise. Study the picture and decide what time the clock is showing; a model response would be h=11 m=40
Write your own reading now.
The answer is h=5 m=31
